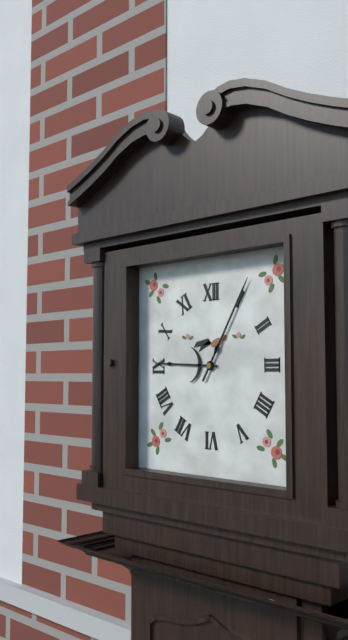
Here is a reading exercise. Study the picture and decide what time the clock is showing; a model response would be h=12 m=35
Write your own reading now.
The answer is h=9 m=5
